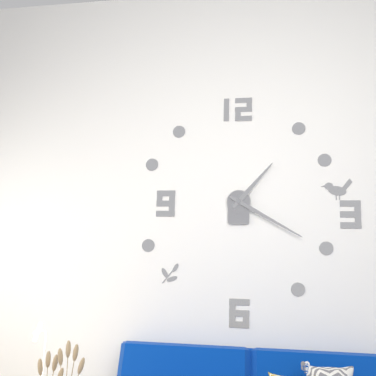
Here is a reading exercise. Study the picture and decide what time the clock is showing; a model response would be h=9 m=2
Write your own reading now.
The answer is h=1 m=20
